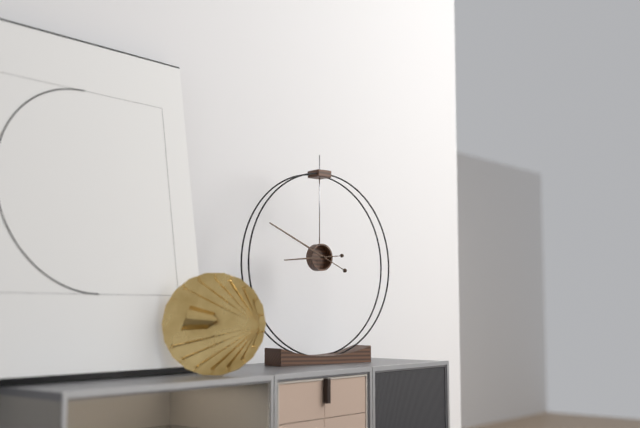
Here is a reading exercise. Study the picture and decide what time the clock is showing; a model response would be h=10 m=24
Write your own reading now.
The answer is h=8 m=49
